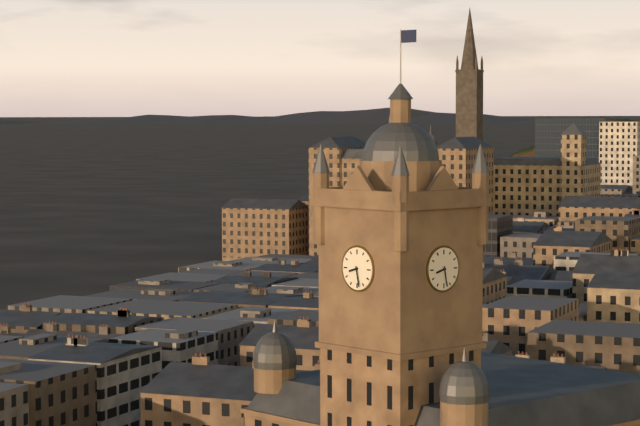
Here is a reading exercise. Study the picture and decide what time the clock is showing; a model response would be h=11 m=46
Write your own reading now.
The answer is h=8 m=28
